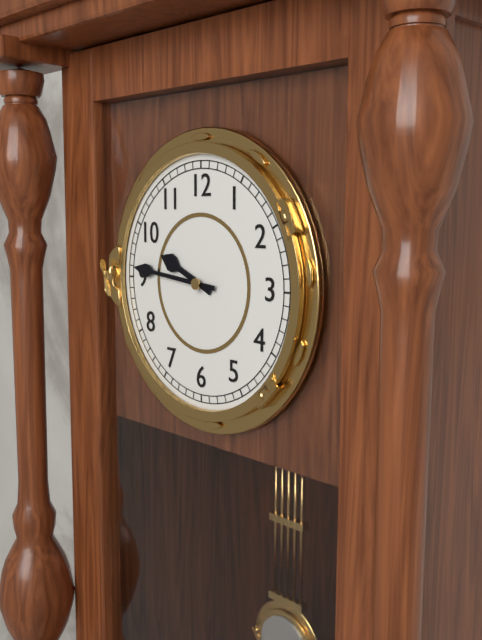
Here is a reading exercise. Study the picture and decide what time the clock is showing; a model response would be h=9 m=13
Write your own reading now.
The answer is h=9 m=46
